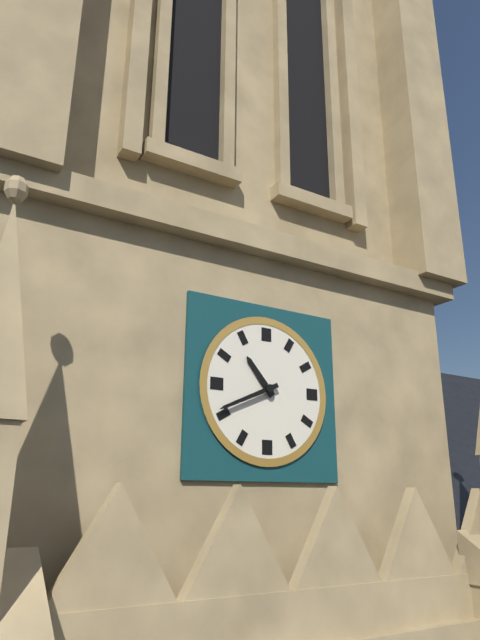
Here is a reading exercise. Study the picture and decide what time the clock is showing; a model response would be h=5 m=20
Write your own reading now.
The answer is h=10 m=41
